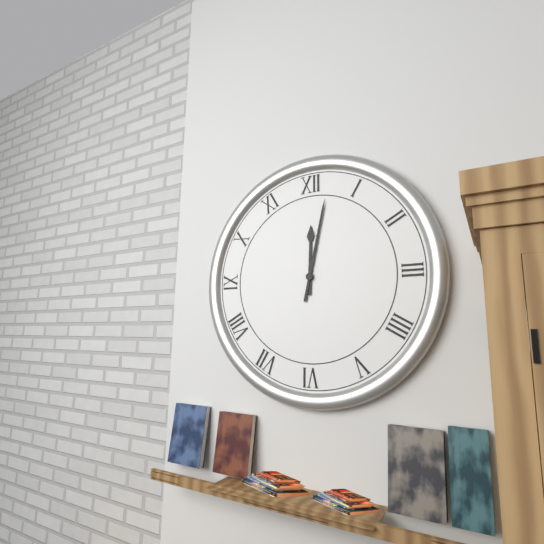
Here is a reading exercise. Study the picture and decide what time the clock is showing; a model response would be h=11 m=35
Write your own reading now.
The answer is h=12 m=2
